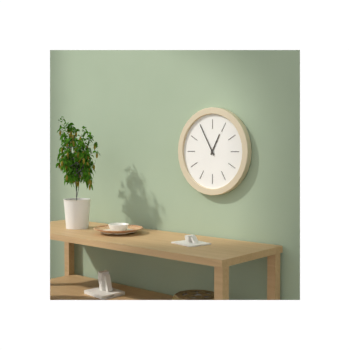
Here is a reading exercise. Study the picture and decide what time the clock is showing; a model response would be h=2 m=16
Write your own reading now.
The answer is h=12 m=55
